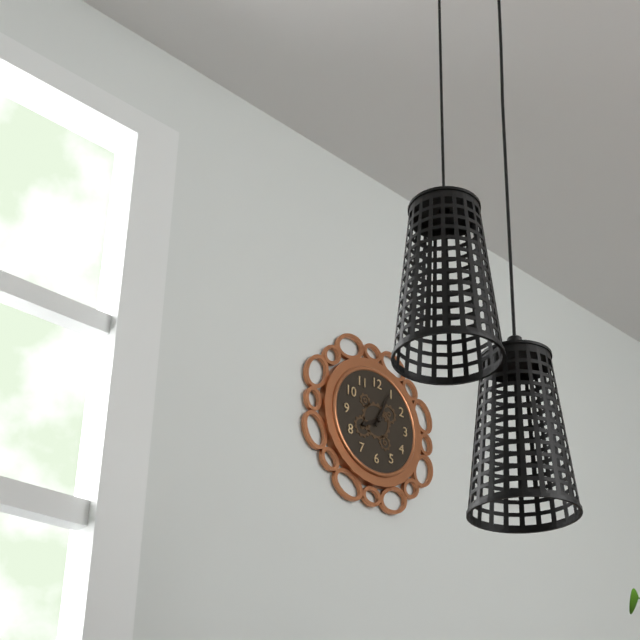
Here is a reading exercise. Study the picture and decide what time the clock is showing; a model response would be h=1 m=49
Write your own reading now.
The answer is h=8 m=4
